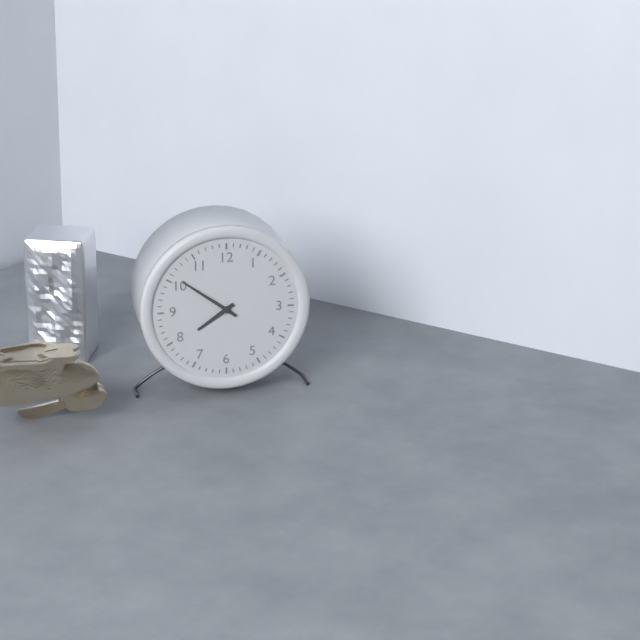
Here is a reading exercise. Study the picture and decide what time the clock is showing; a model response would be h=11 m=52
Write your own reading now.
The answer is h=7 m=51
